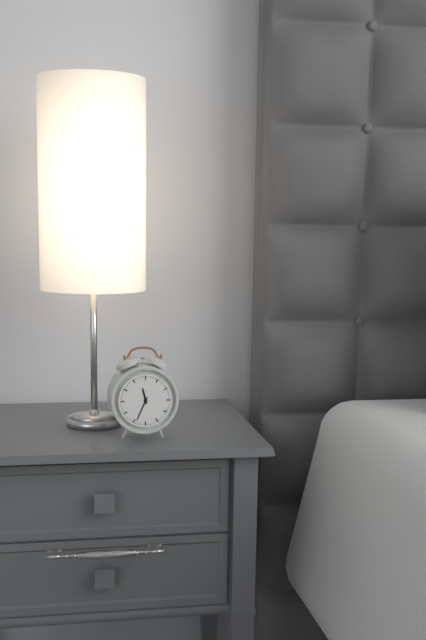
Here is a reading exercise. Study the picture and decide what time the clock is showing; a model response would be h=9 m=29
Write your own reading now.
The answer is h=11 m=34
